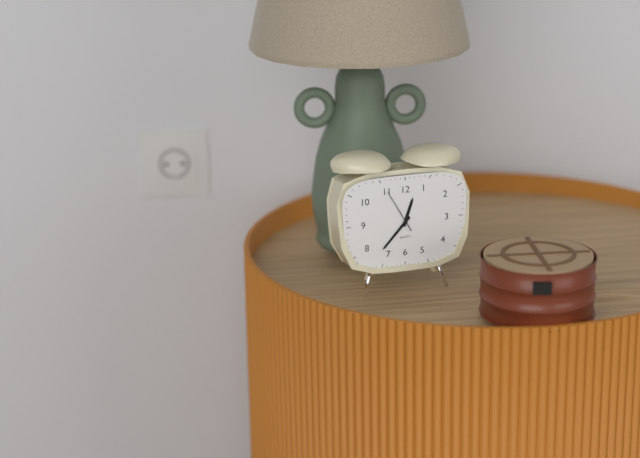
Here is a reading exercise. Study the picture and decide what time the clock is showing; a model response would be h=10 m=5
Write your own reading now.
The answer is h=12 m=37
